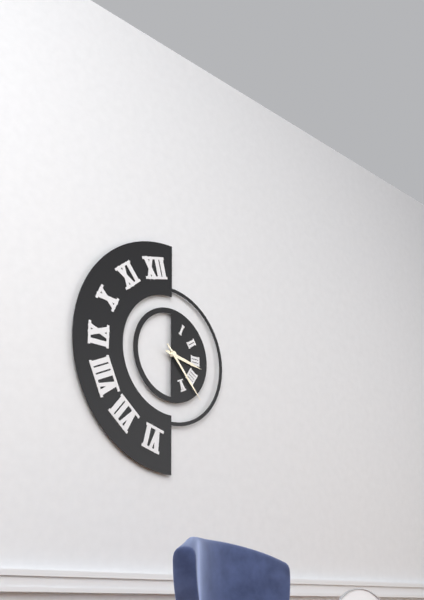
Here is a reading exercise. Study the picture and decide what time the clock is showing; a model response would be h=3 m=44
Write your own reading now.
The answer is h=3 m=23
